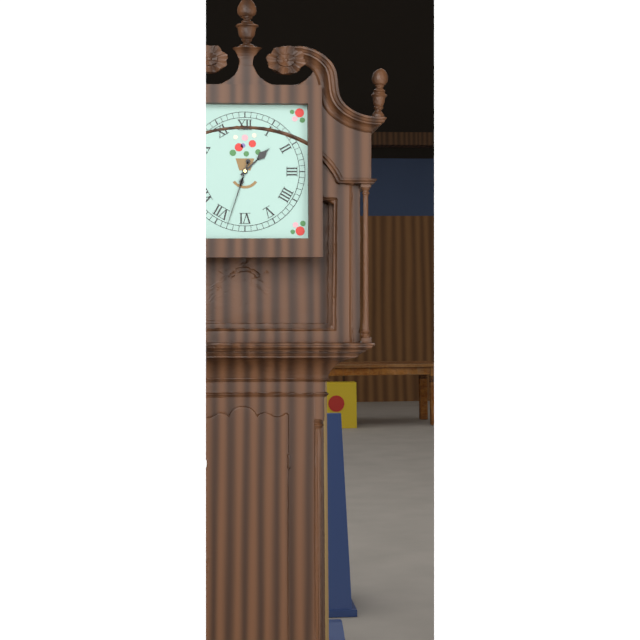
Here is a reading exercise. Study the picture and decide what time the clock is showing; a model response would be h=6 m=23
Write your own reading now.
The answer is h=1 m=33
